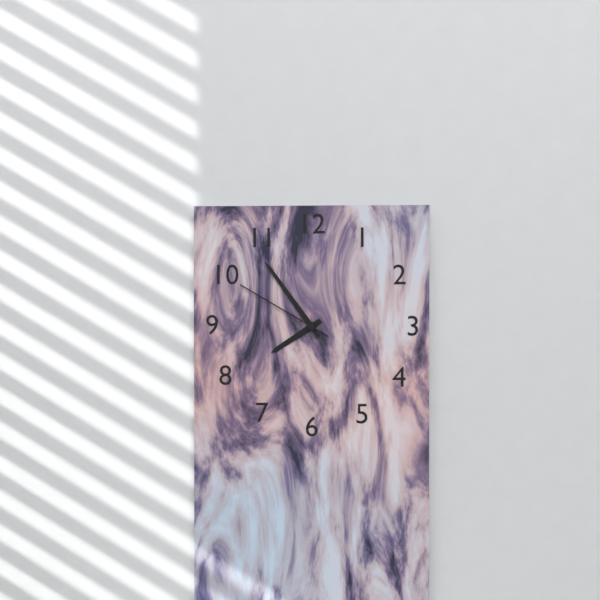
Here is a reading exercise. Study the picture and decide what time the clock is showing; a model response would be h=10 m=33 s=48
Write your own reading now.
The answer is h=7 m=54 s=50
